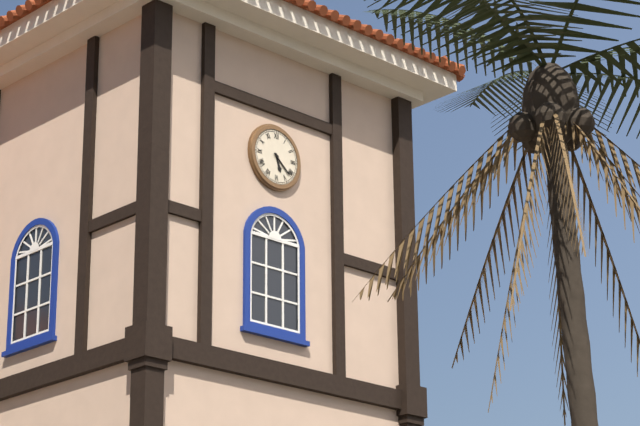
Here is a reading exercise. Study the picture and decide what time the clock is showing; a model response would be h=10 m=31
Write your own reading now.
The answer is h=5 m=22
